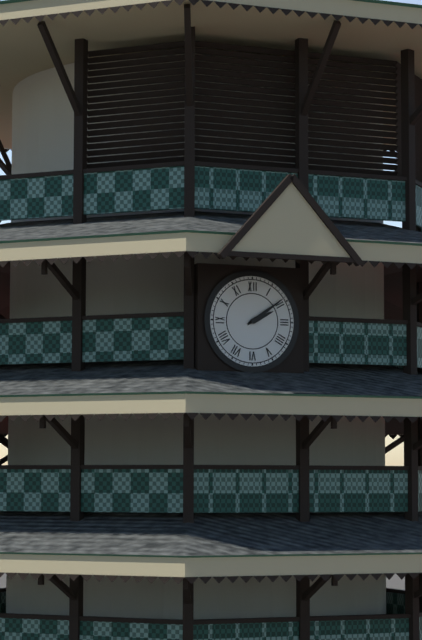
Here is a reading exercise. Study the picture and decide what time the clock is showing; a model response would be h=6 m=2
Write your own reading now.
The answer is h=2 m=9
